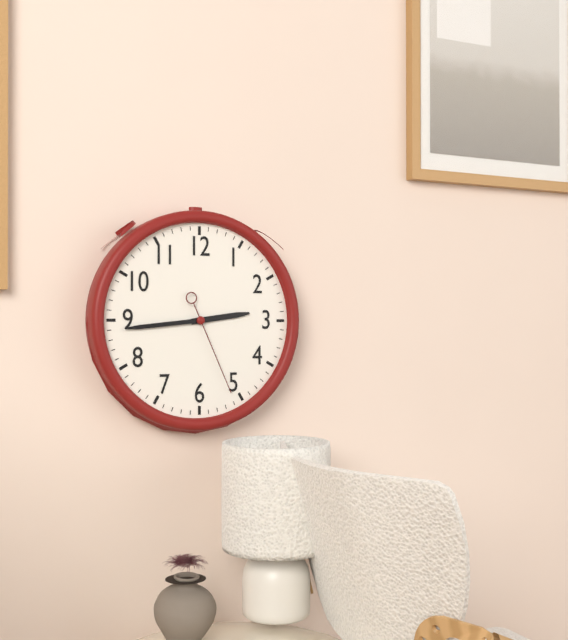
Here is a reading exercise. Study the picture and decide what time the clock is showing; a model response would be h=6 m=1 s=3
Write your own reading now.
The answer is h=2 m=44 s=26
